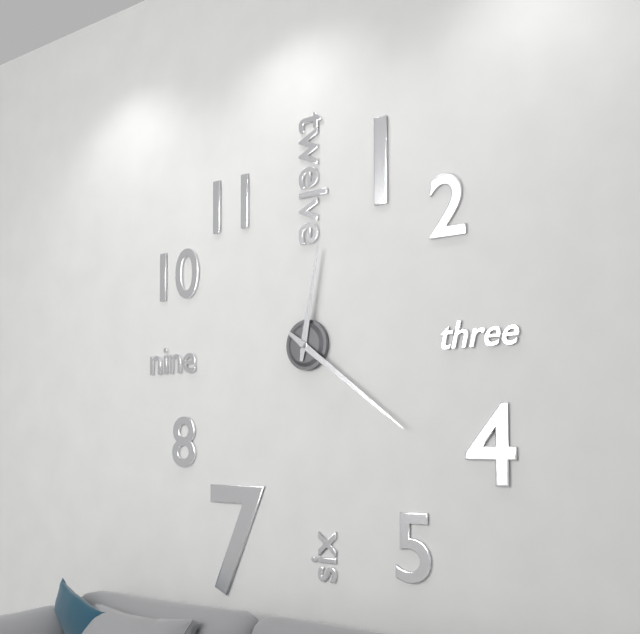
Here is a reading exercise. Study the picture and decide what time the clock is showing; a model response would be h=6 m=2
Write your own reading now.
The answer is h=12 m=21
